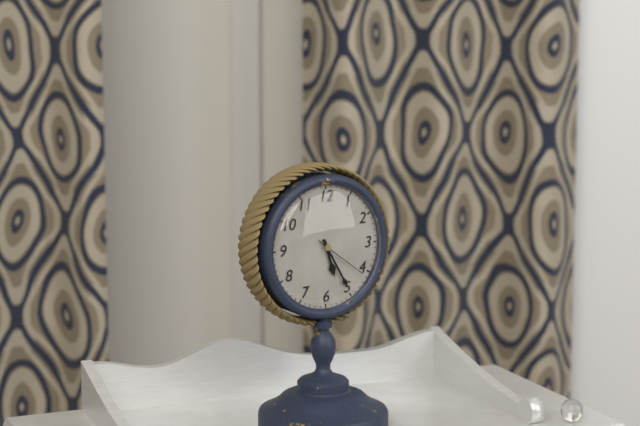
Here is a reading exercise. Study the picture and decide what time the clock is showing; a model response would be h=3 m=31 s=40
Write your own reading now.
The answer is h=5 m=25 s=21
